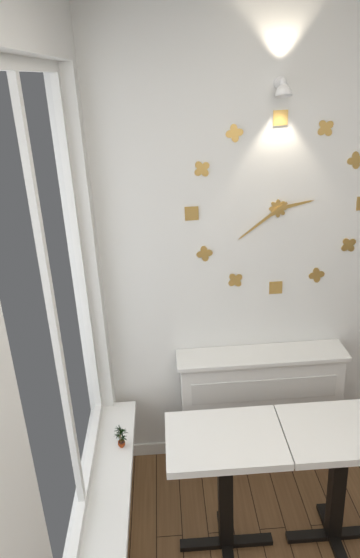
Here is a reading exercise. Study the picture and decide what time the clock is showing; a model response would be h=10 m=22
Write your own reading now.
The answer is h=2 m=39
